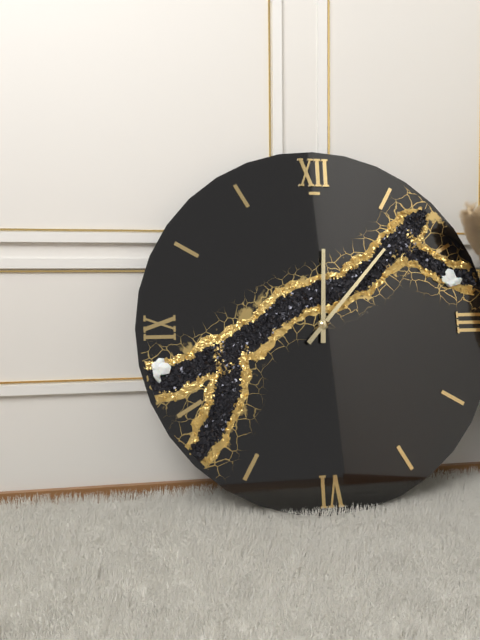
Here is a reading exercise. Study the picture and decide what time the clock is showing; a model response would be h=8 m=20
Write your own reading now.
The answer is h=12 m=7
